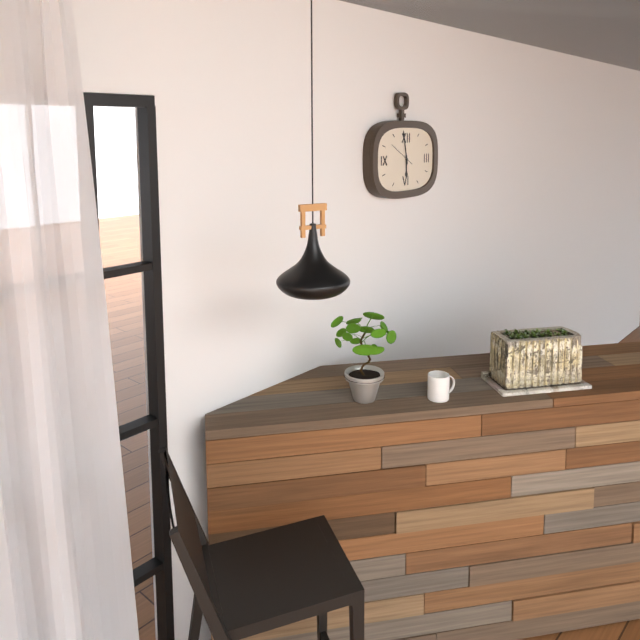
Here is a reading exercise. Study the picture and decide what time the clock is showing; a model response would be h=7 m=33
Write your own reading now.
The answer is h=5 m=58
